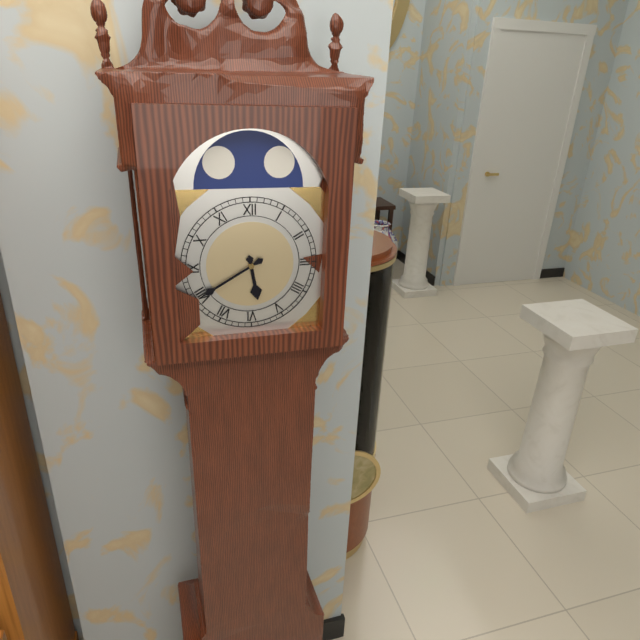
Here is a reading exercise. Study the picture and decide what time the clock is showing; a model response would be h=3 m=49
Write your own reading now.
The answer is h=5 m=40
